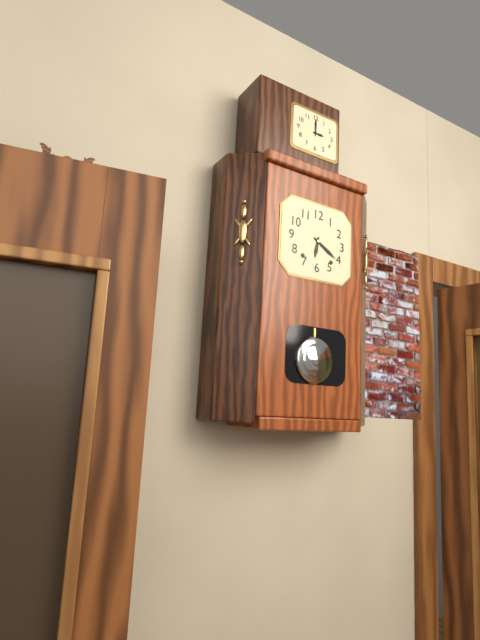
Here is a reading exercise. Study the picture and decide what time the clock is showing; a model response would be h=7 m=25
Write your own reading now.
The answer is h=6 m=20
